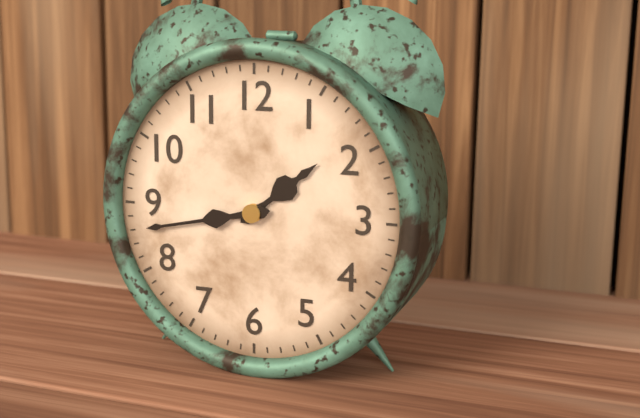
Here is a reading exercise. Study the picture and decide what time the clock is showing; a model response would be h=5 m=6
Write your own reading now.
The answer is h=1 m=43
